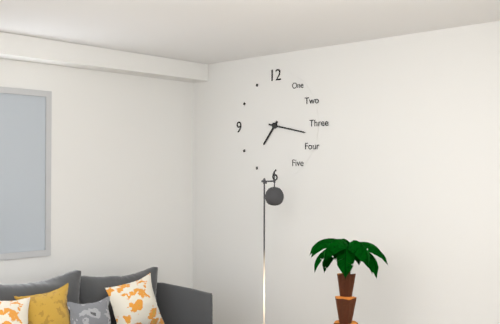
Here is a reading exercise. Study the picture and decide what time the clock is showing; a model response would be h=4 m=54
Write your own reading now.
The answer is h=7 m=17
